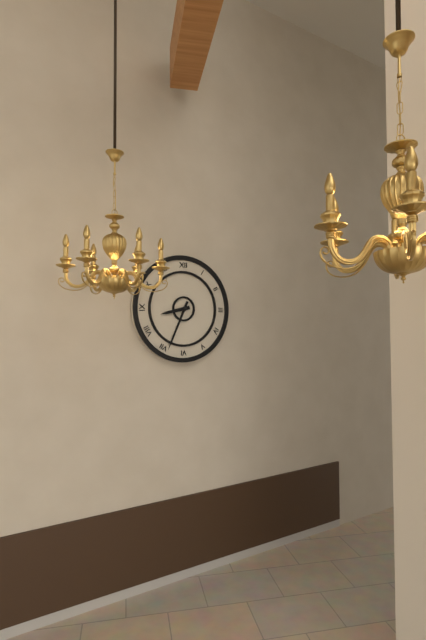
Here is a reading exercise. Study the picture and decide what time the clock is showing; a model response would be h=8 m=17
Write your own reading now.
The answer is h=8 m=34
